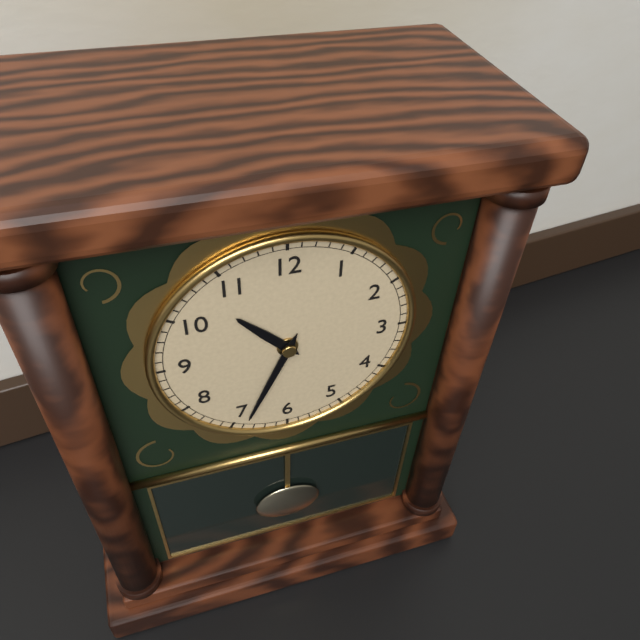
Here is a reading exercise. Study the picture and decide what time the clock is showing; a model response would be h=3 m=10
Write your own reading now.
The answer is h=10 m=34
